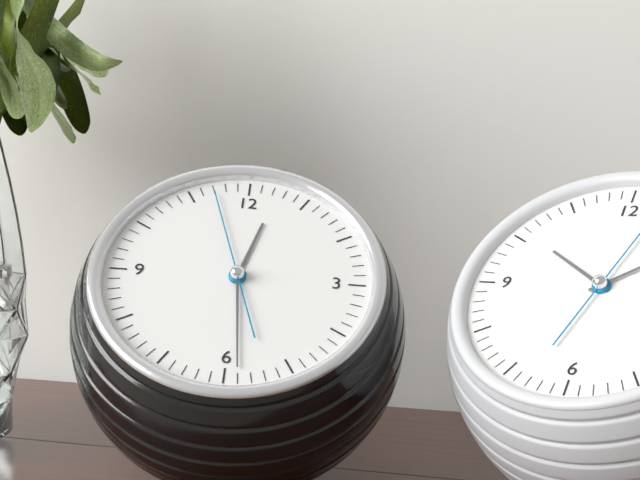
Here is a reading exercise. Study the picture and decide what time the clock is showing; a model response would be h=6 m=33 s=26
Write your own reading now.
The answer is h=12 m=29 s=57
